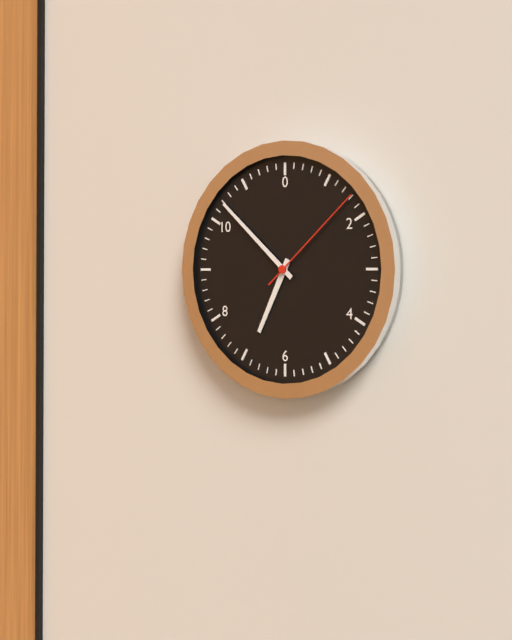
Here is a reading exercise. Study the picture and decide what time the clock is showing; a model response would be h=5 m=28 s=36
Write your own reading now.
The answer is h=6 m=52 s=8
